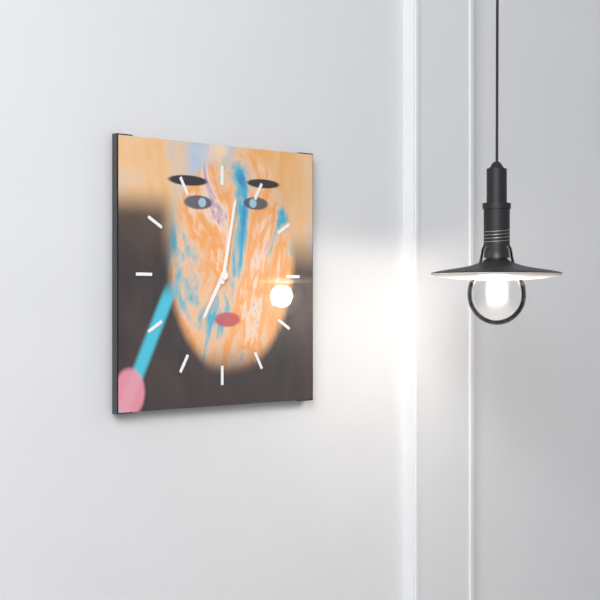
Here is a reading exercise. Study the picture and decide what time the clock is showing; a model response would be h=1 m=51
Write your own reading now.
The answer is h=7 m=2
